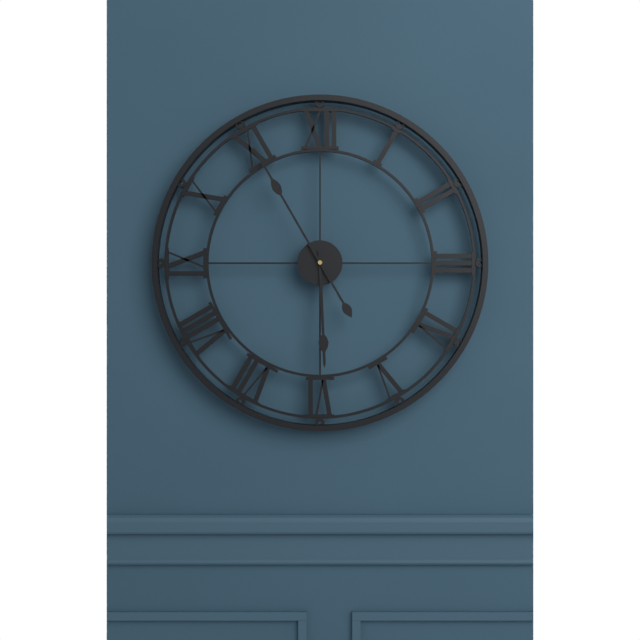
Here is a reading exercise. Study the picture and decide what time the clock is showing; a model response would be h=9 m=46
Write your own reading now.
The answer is h=5 m=55
